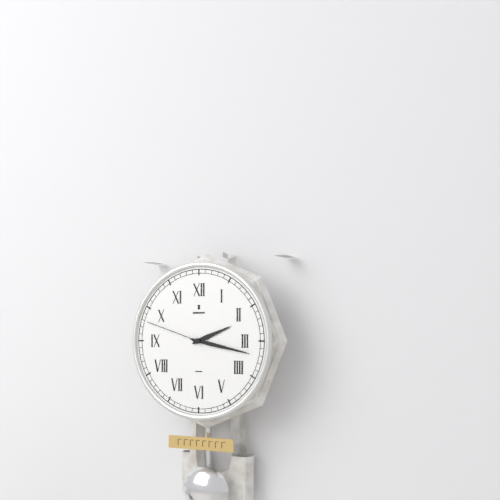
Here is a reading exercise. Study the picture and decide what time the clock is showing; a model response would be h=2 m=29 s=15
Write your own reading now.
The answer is h=2 m=17 s=48
